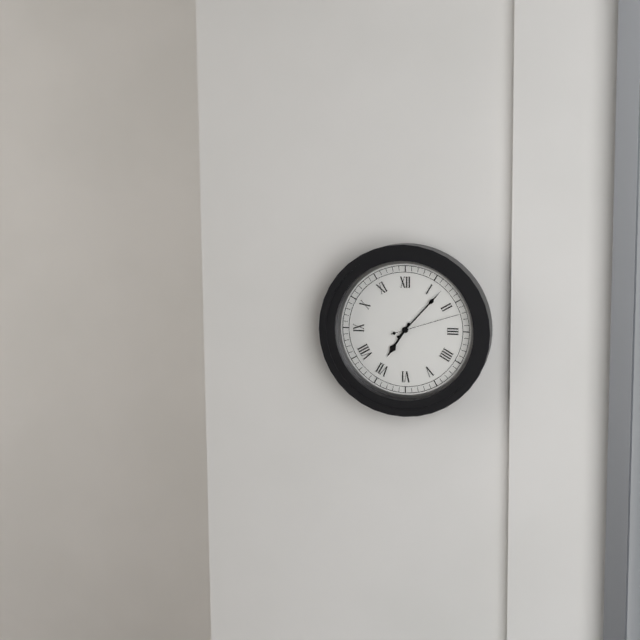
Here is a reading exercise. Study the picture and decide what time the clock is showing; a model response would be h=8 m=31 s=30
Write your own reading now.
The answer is h=7 m=7 s=12
